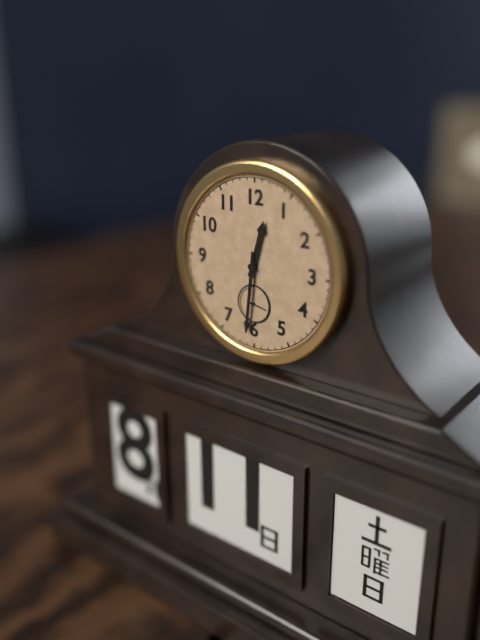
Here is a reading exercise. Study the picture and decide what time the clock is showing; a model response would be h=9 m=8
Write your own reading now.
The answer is h=12 m=31
